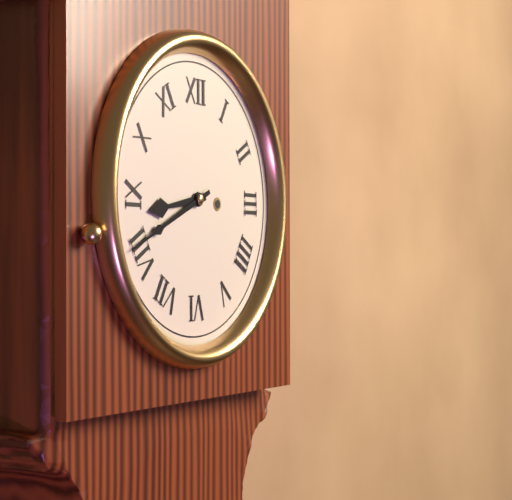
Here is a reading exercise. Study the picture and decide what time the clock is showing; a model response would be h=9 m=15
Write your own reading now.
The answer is h=8 m=41
